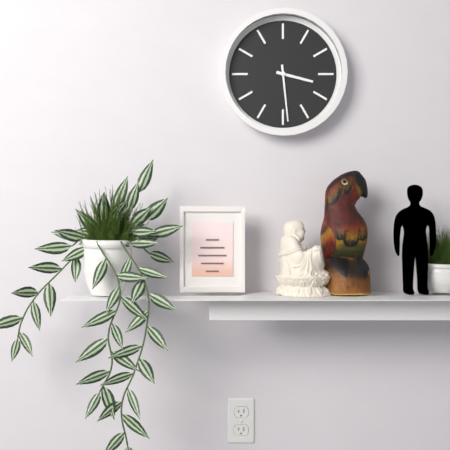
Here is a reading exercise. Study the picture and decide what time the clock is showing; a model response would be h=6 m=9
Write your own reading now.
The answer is h=3 m=29
